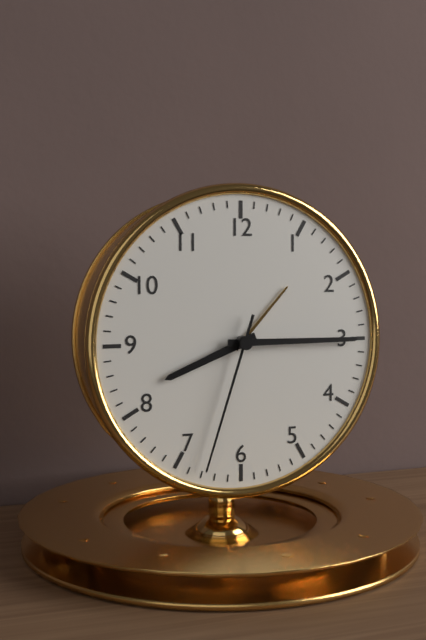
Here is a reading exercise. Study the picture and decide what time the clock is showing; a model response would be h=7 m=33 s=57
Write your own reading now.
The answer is h=8 m=15 s=33
